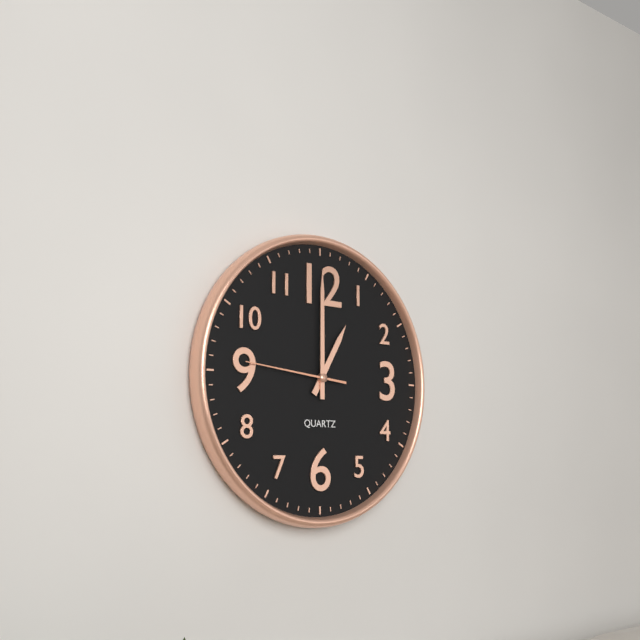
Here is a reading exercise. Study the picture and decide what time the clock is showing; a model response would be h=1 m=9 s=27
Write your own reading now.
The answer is h=1 m=0 s=46
